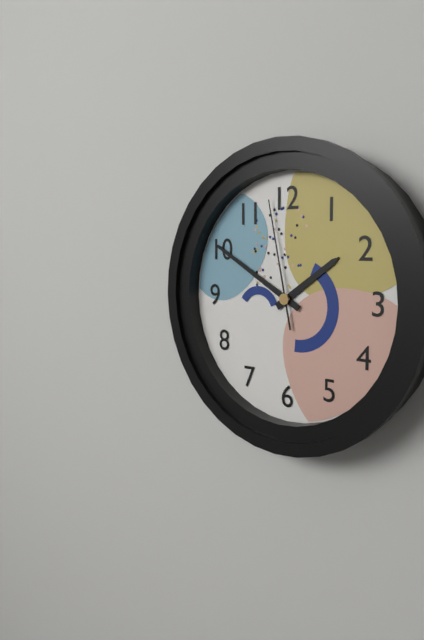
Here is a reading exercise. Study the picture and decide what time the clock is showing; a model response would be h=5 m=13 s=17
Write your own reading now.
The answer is h=1 m=50 s=58
